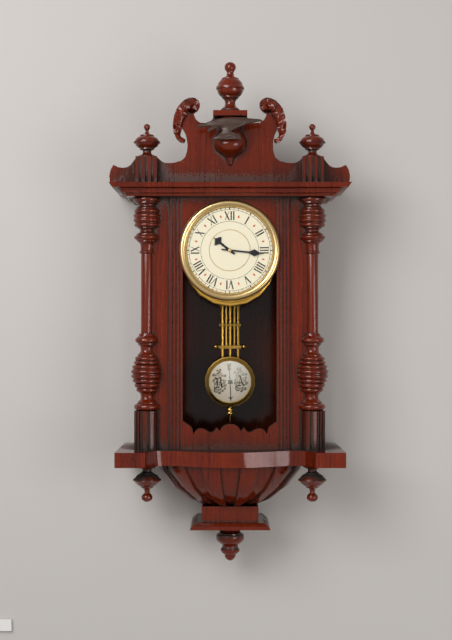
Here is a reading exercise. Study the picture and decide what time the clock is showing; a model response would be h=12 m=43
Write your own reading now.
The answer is h=10 m=16
